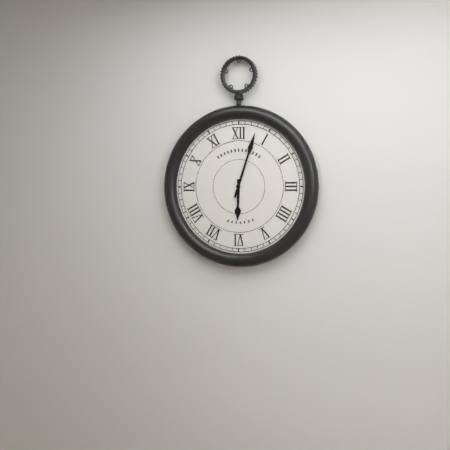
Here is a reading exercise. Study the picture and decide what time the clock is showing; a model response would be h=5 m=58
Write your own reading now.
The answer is h=6 m=3
